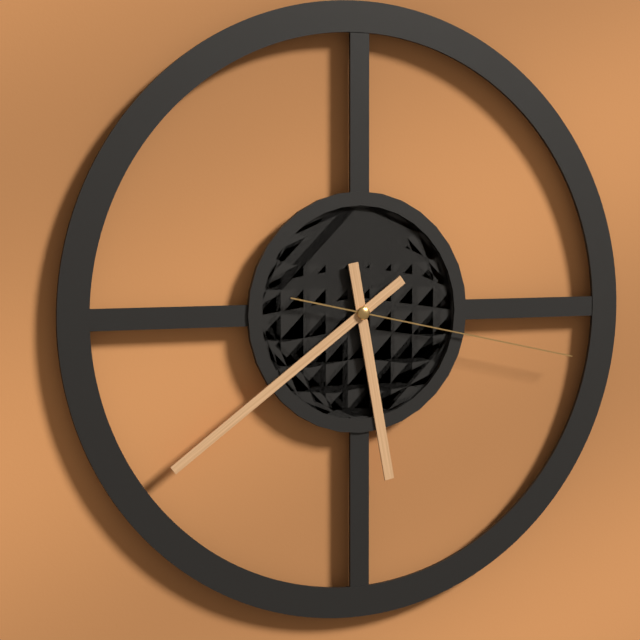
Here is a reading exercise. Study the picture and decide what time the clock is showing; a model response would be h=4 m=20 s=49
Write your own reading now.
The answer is h=5 m=39 s=17
